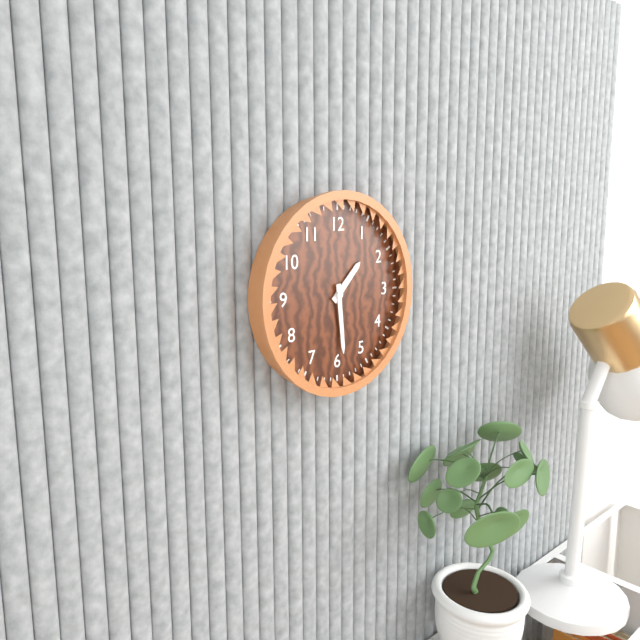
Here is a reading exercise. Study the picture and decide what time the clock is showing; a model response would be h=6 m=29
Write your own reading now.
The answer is h=1 m=29
